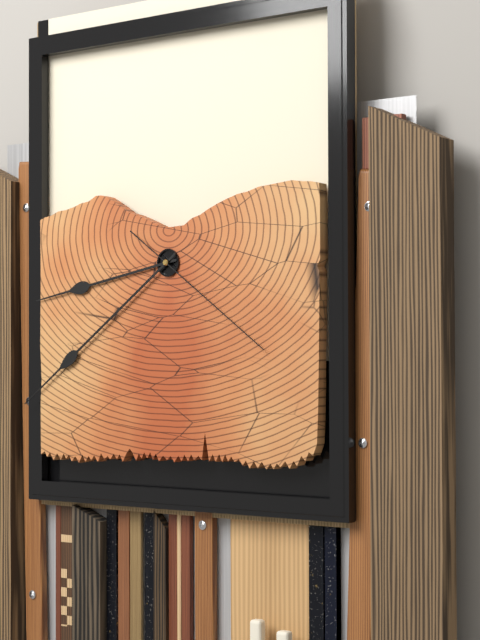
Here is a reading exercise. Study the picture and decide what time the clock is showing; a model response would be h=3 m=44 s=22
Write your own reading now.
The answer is h=8 m=39 s=21
